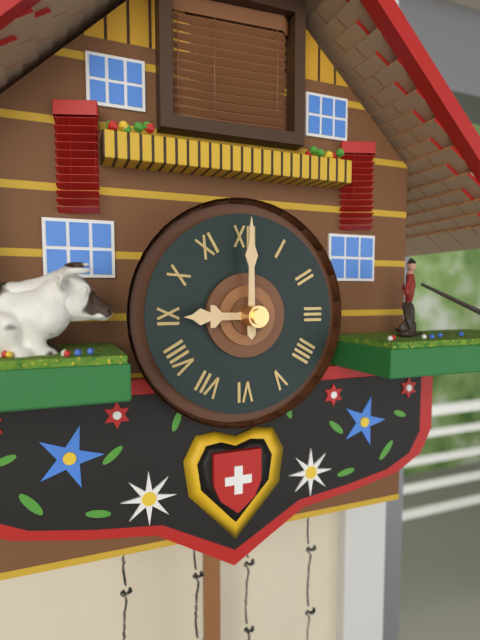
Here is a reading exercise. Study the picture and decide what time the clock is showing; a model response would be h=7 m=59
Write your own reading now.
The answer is h=9 m=0
